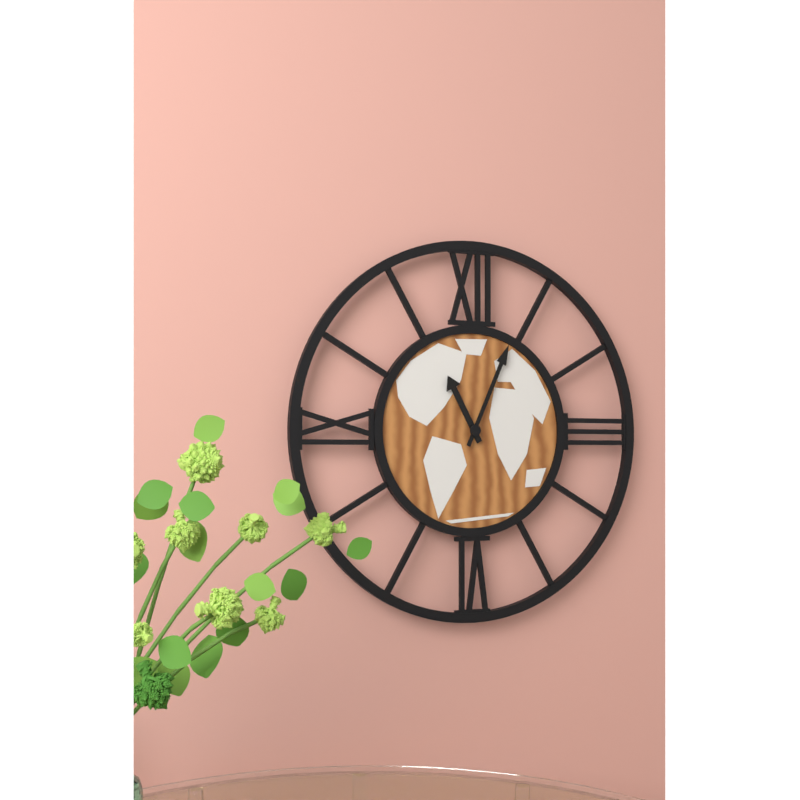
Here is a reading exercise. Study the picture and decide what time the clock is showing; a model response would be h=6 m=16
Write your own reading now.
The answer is h=11 m=4
